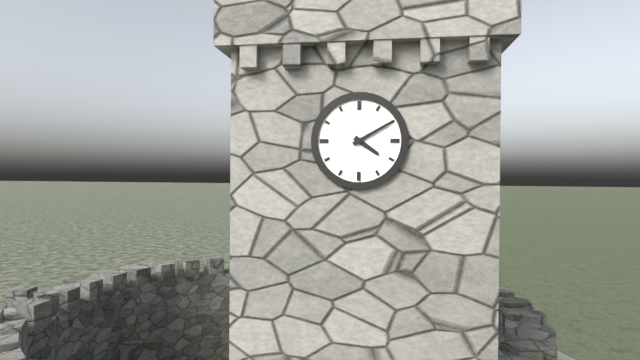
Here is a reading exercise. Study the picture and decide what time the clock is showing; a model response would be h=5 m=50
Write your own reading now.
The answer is h=4 m=10
